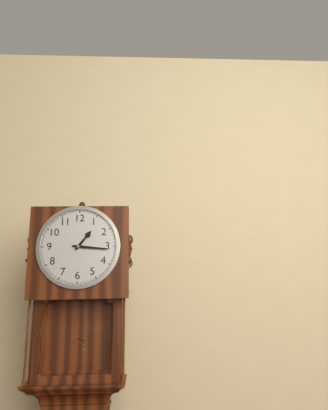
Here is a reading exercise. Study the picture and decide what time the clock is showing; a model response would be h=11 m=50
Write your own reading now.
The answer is h=1 m=16
